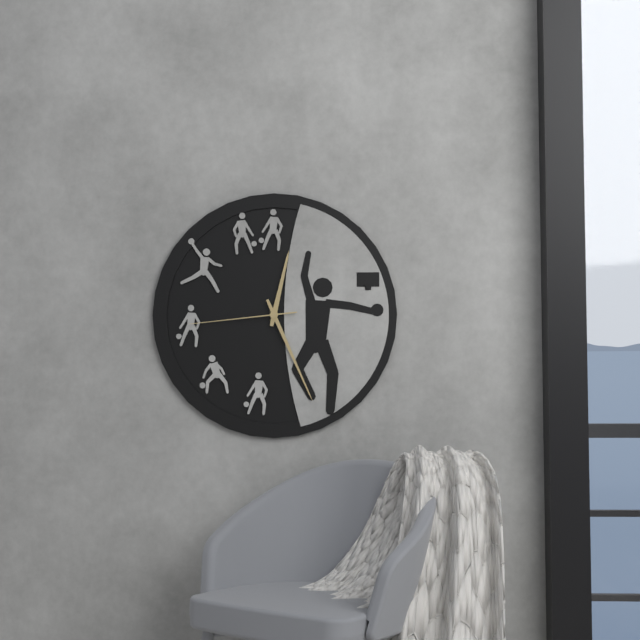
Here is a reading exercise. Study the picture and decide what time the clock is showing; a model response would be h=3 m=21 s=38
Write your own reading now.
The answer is h=12 m=26 s=44
